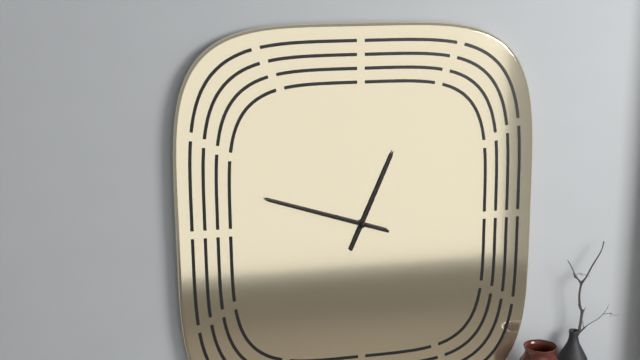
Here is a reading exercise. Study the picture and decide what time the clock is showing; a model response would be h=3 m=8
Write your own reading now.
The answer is h=12 m=48
